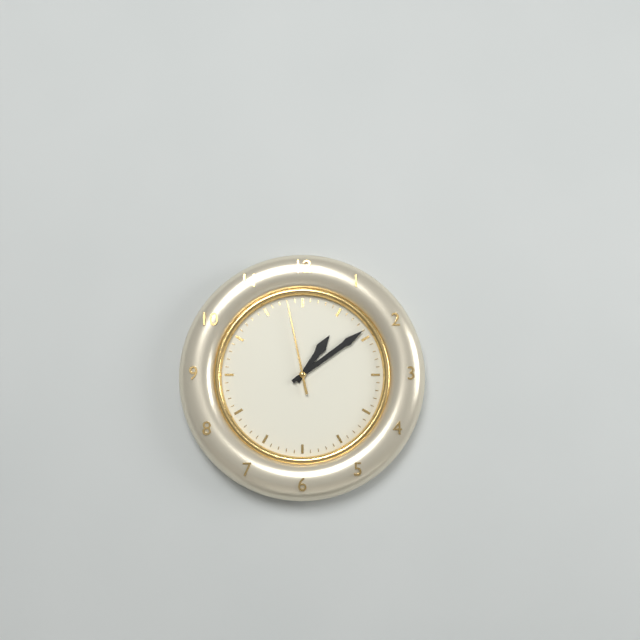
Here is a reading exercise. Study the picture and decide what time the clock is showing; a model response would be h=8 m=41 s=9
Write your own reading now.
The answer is h=1 m=9 s=58
